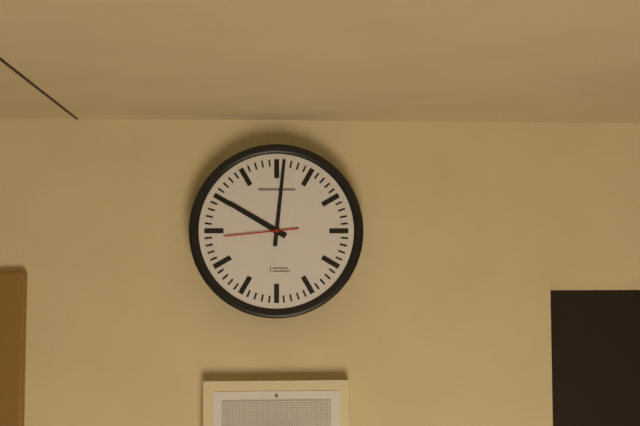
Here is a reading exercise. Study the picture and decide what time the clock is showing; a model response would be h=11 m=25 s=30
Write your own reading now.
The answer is h=10 m=1 s=44
